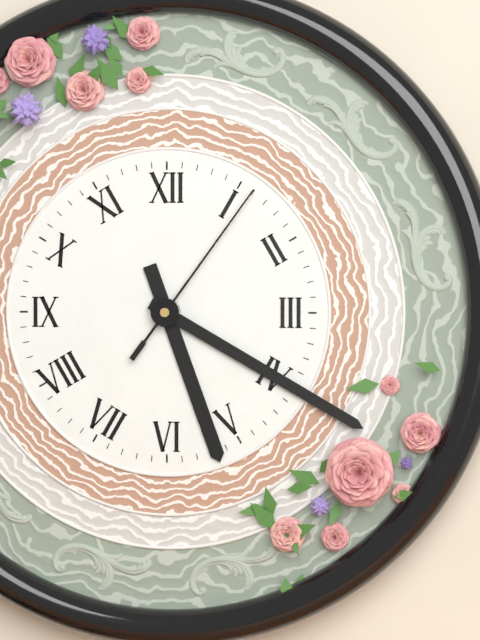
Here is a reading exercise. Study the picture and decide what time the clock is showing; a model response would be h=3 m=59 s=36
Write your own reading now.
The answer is h=5 m=20 s=6
